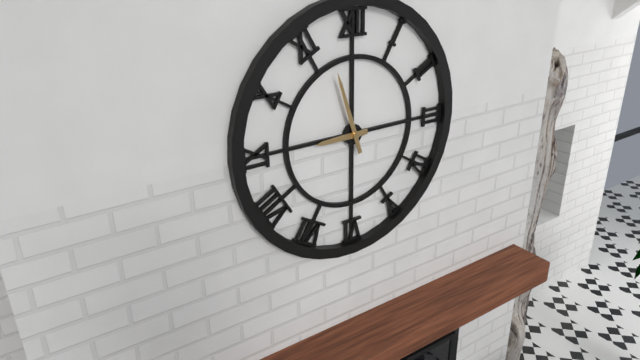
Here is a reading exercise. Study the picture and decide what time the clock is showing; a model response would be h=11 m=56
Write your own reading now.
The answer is h=8 m=57
